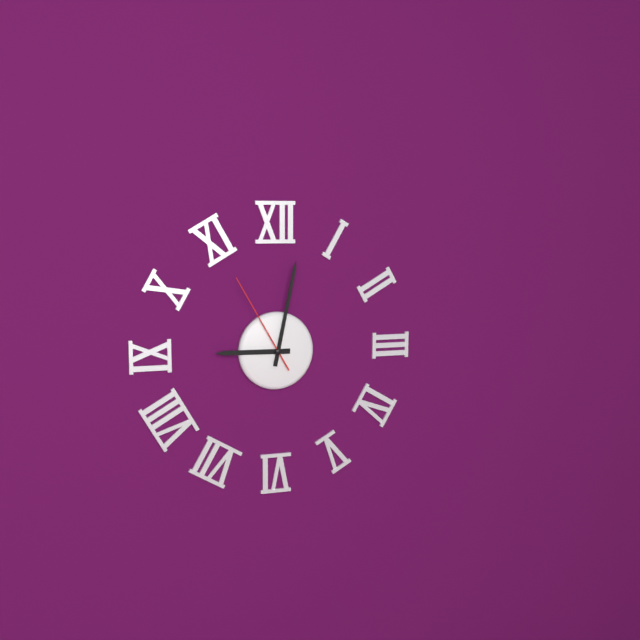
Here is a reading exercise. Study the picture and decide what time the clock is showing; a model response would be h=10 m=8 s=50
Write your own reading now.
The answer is h=9 m=2 s=55
